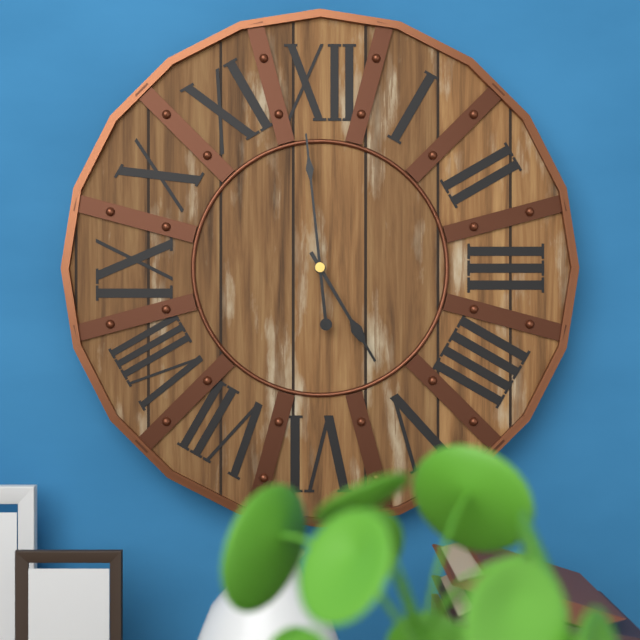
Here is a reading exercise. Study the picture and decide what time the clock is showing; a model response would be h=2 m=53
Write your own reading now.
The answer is h=4 m=59
